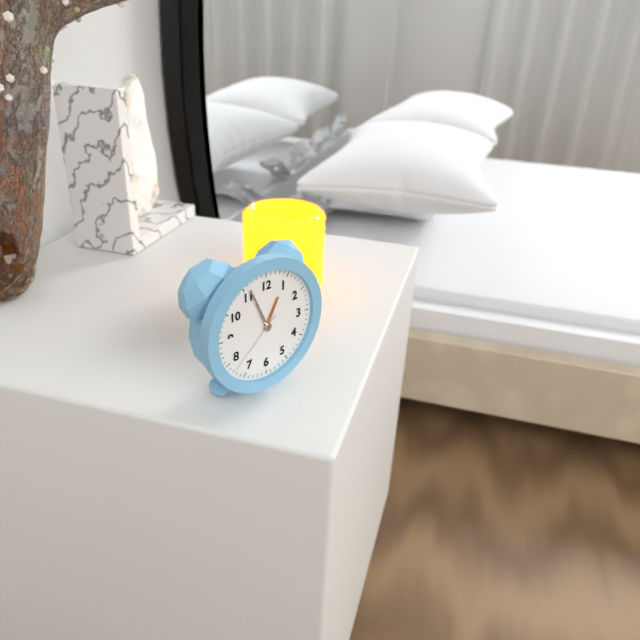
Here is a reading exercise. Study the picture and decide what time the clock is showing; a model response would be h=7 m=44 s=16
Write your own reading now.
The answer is h=12 m=56 s=38
